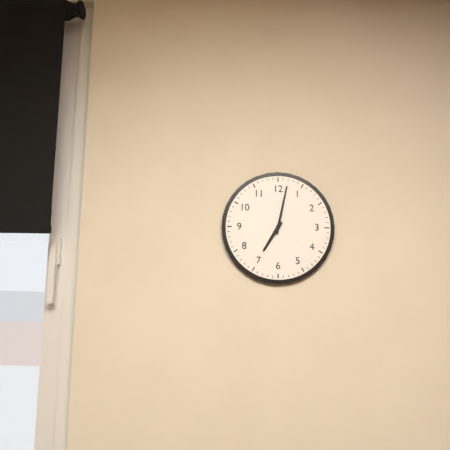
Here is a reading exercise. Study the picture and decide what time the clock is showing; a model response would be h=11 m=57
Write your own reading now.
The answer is h=7 m=2
